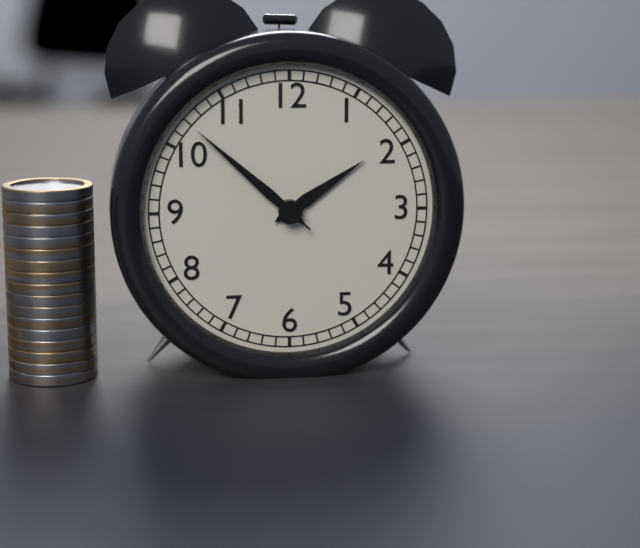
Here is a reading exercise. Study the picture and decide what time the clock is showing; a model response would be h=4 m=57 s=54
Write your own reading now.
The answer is h=1 m=52 s=52
